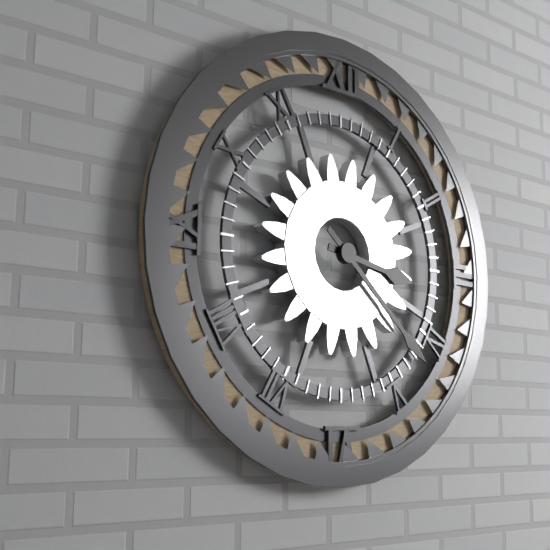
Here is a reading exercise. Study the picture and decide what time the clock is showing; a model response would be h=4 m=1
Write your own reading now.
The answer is h=3 m=22
